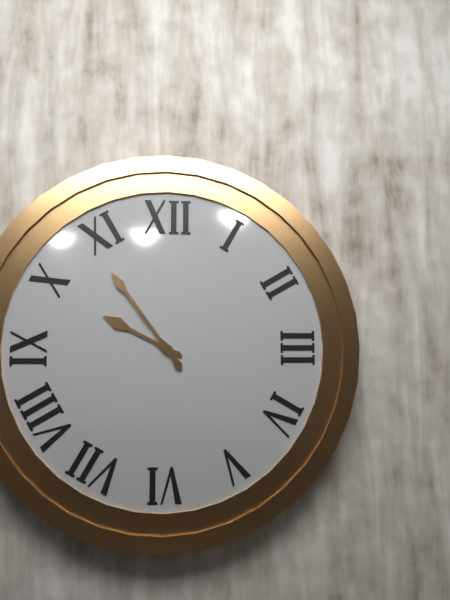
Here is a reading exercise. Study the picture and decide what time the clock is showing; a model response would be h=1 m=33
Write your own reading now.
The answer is h=9 m=54
